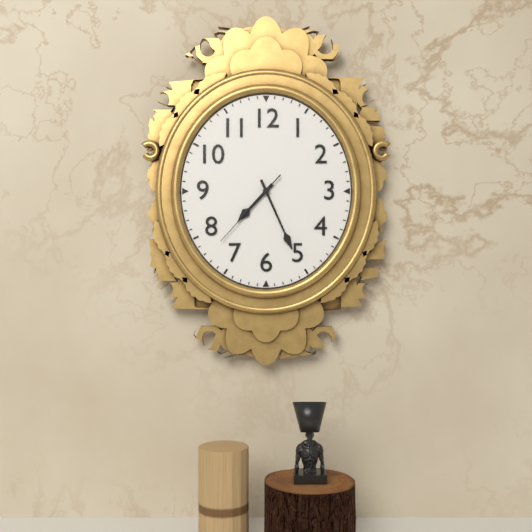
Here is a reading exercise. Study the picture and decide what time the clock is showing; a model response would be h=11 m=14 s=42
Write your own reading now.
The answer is h=7 m=26 s=37
